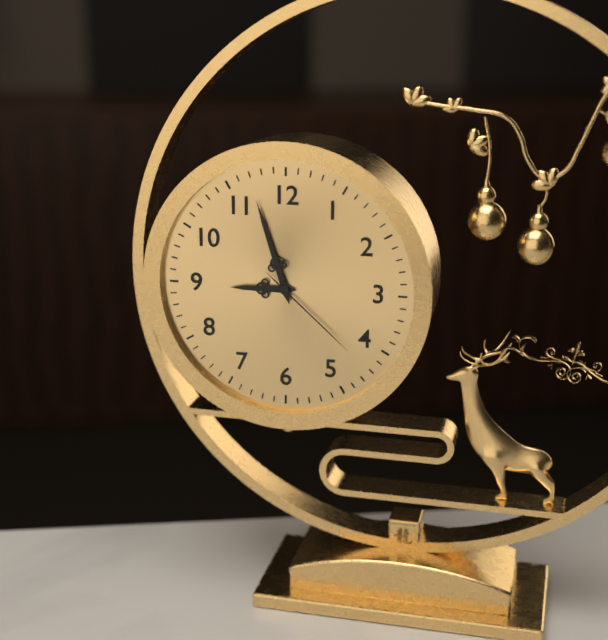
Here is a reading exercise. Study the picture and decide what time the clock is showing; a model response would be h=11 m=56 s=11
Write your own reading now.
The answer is h=8 m=57 s=22
